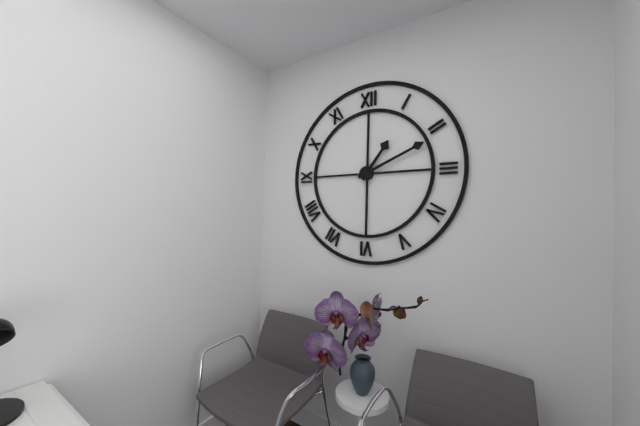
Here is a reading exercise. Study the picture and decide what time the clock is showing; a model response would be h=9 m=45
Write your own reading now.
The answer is h=1 m=11
